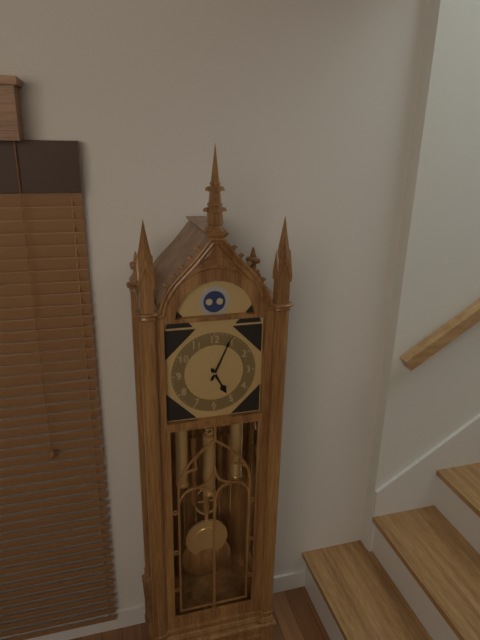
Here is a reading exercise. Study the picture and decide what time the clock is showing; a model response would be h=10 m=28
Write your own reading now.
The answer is h=5 m=4
